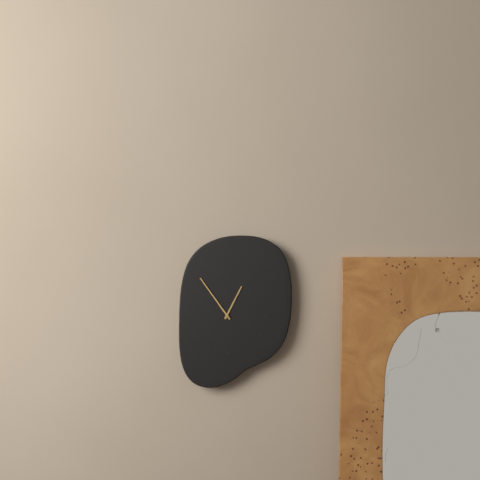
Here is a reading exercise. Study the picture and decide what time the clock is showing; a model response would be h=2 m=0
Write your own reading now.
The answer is h=12 m=54
